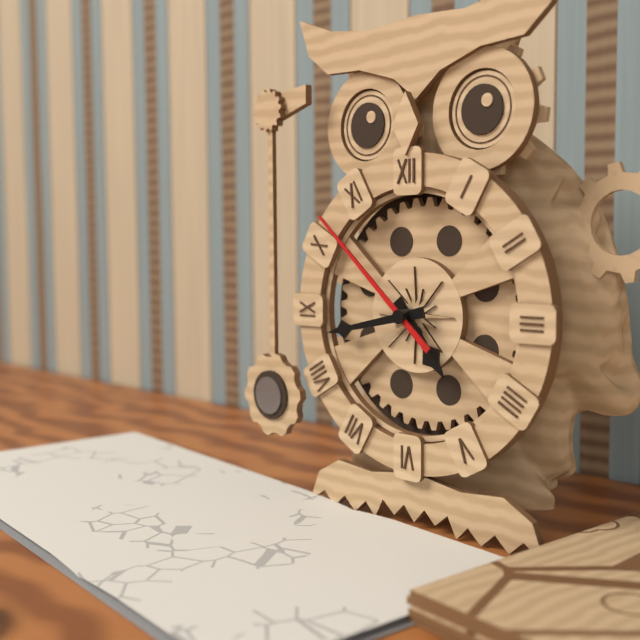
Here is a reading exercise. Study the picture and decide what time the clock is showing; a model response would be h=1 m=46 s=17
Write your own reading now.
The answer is h=4 m=43 s=52
